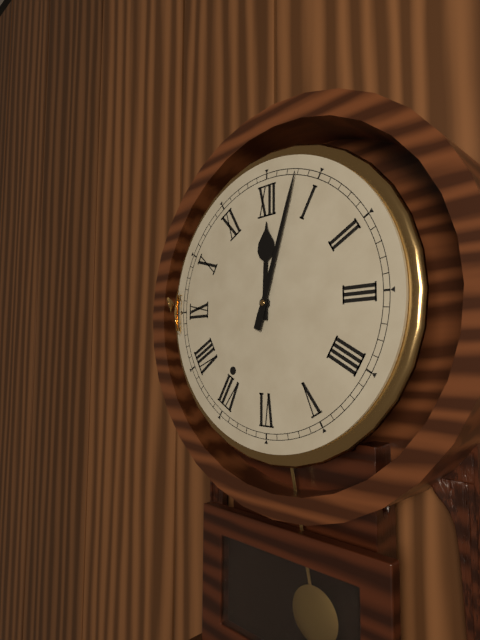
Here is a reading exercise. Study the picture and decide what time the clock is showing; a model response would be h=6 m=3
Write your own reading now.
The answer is h=12 m=3
